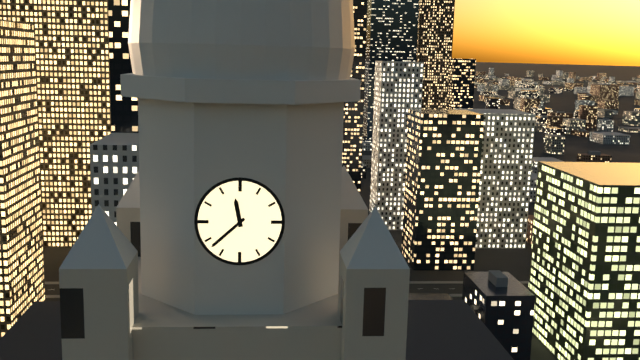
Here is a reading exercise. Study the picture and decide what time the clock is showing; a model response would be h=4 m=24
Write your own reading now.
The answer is h=11 m=38
